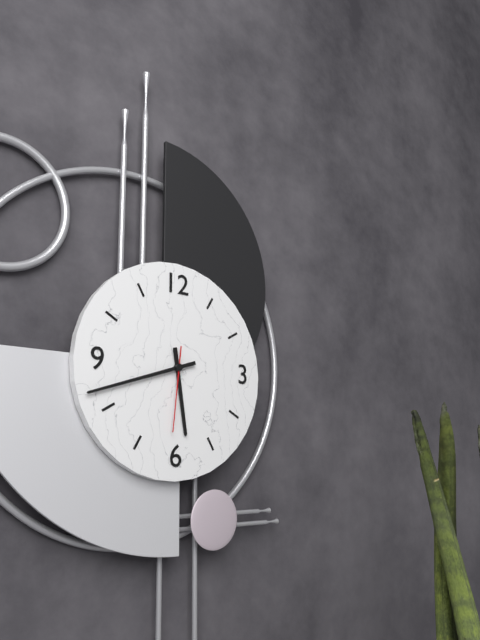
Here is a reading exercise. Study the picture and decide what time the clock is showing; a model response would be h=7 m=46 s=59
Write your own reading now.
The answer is h=5 m=42 s=31
